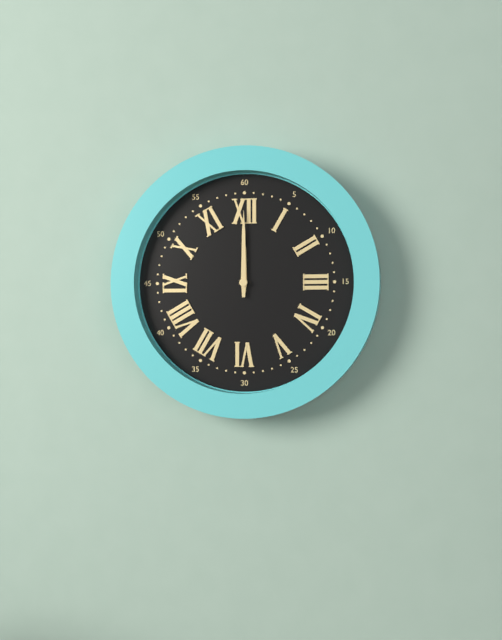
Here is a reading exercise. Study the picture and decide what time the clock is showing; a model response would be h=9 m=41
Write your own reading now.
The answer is h=12 m=0
